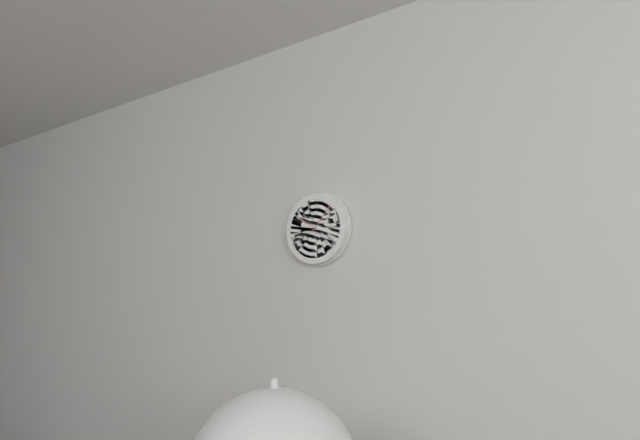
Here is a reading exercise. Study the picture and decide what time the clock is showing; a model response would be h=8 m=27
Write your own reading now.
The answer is h=10 m=7
